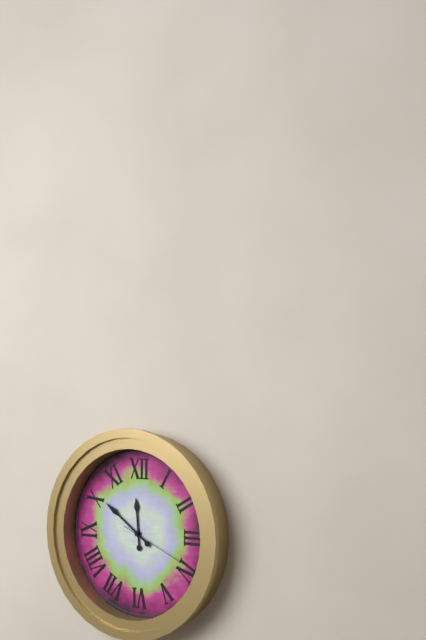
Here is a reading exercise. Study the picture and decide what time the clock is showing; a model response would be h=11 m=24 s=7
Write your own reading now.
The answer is h=11 m=51 s=19
